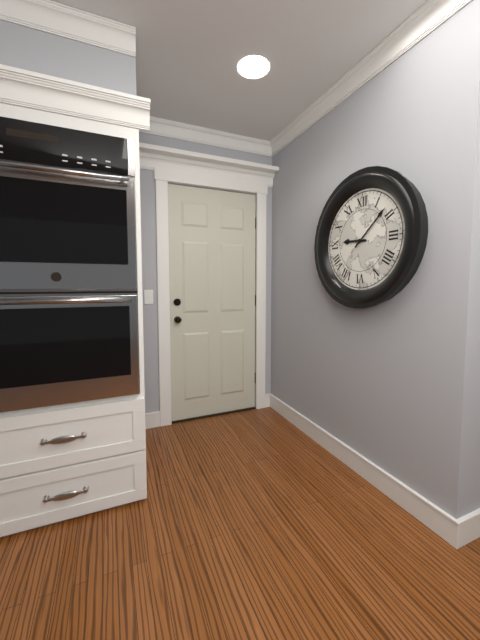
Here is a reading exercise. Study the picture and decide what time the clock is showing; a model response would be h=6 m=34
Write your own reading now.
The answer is h=9 m=8
